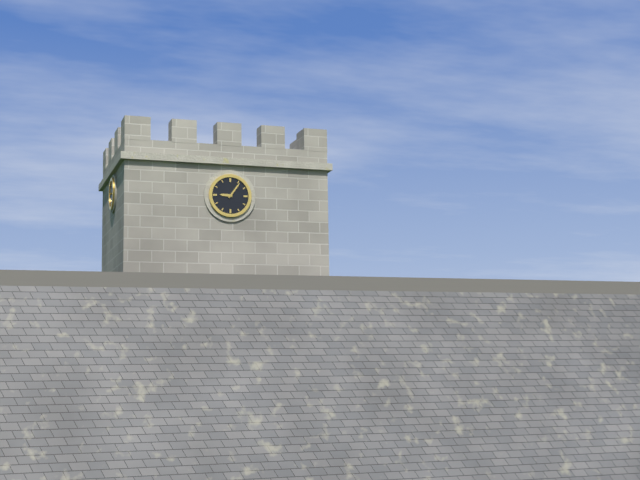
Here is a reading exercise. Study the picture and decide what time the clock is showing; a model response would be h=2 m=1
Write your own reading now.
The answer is h=9 m=6
